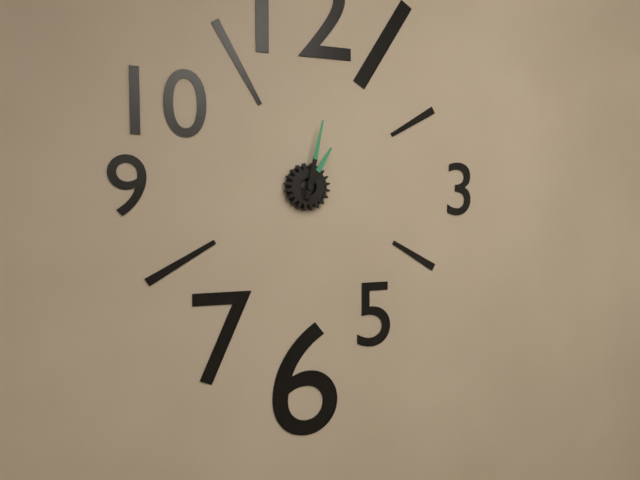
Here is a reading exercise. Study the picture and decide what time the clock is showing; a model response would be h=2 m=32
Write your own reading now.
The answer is h=1 m=2
